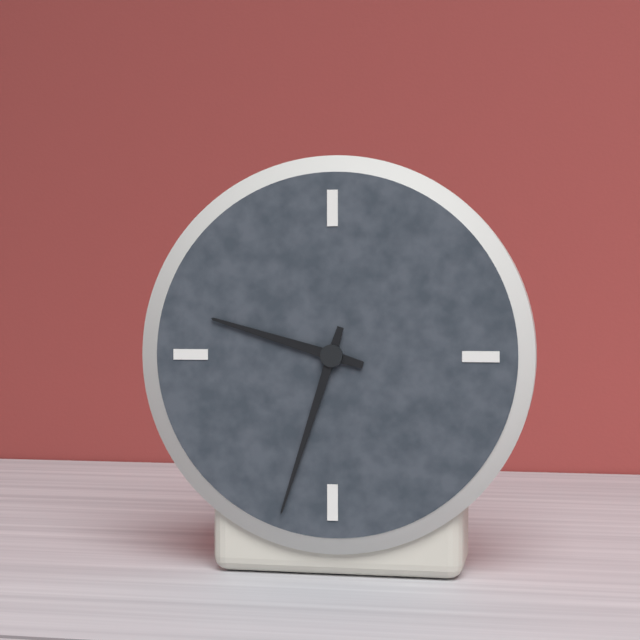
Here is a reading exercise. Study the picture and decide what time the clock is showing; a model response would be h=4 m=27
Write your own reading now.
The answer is h=9 m=33
